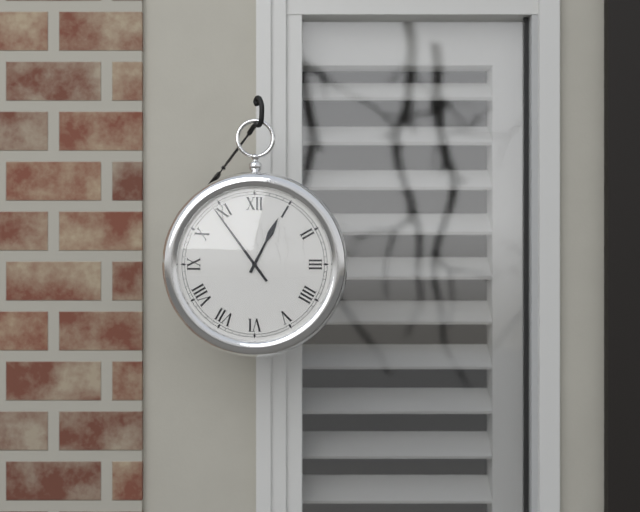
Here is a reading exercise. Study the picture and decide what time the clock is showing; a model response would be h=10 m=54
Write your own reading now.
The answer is h=12 m=54
